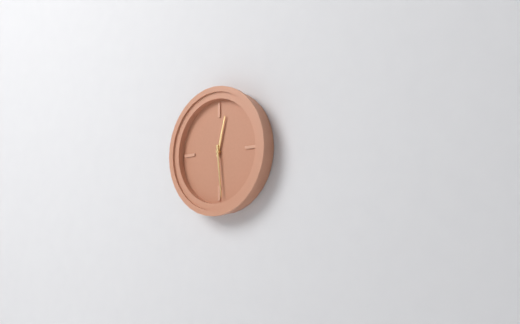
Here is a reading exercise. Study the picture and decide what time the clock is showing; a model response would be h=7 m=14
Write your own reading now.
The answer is h=12 m=29
